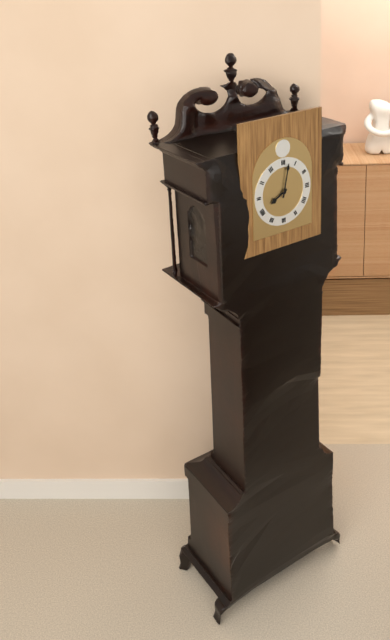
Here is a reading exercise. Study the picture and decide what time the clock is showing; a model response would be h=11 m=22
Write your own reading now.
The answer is h=8 m=2
